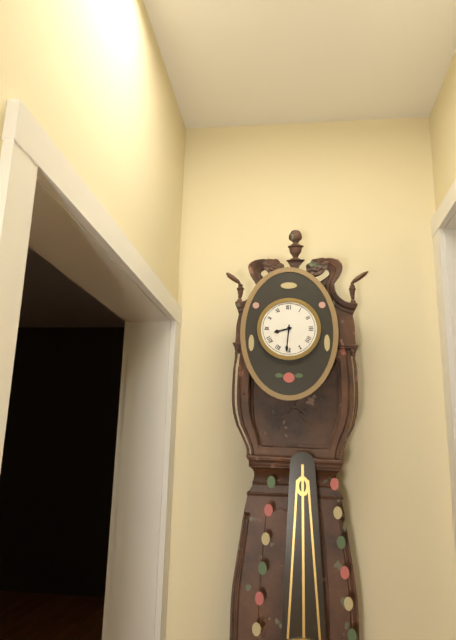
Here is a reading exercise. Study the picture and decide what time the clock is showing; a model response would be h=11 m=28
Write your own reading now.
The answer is h=8 m=31
